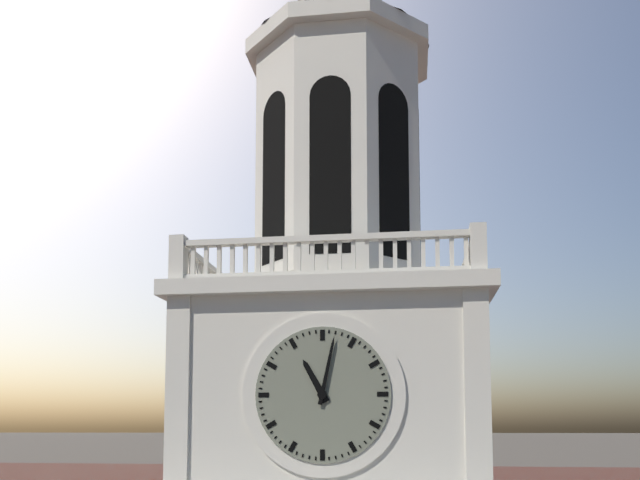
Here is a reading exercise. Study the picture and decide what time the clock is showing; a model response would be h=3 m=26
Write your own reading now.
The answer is h=11 m=2
